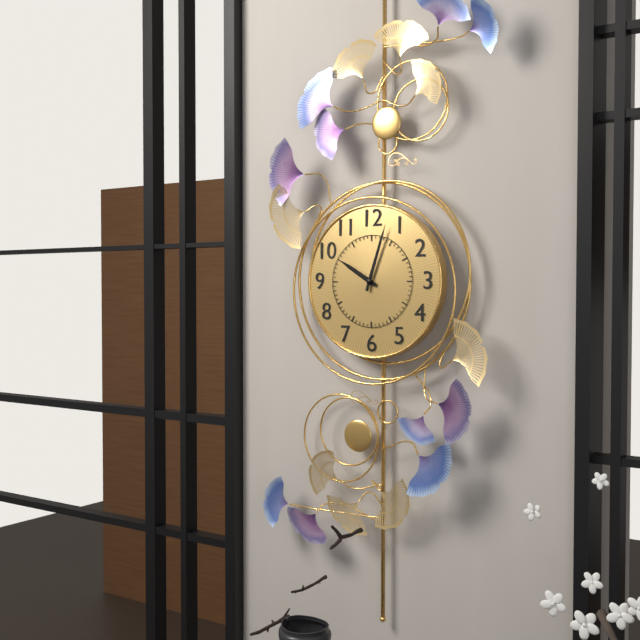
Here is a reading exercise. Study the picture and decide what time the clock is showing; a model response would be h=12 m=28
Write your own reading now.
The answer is h=10 m=3
